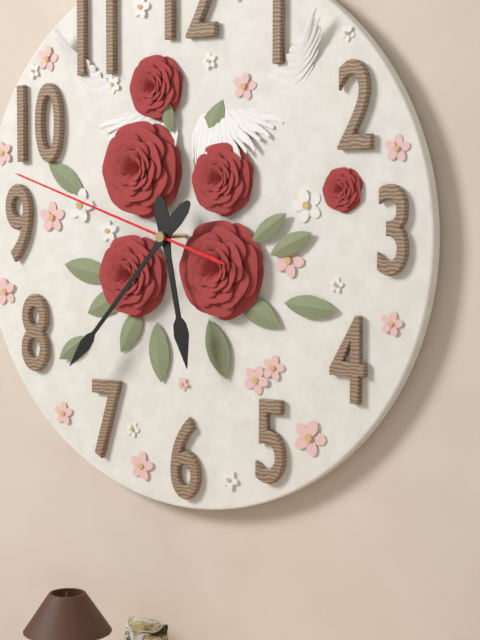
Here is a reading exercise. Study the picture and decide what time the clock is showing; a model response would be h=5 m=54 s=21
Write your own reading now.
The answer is h=5 m=37 s=48
